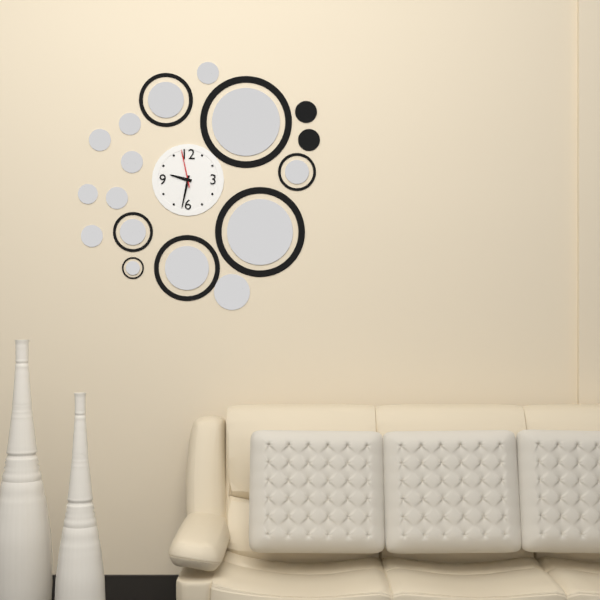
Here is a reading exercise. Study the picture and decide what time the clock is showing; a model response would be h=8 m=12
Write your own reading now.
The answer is h=9 m=32
